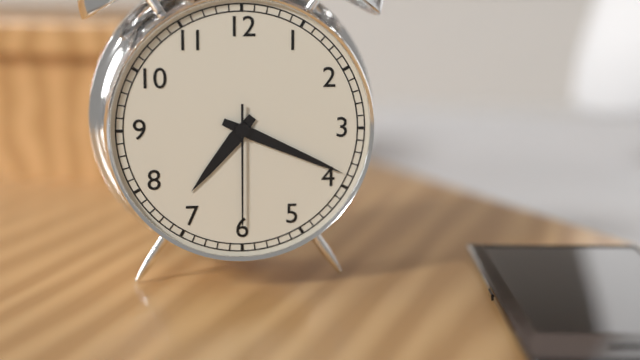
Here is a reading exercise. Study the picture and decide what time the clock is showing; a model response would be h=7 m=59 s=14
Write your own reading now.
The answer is h=7 m=19 s=30
